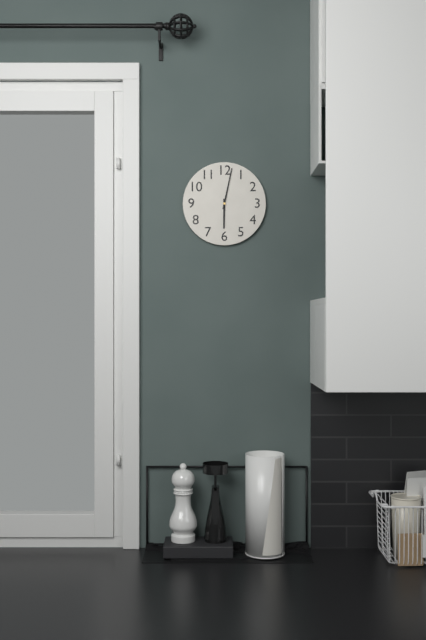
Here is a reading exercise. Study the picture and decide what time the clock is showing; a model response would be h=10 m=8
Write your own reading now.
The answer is h=6 m=2
